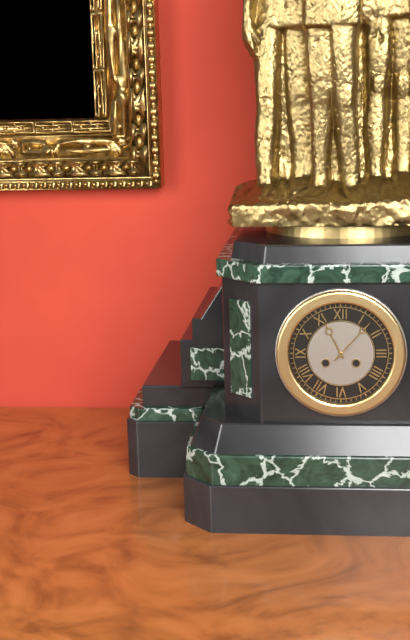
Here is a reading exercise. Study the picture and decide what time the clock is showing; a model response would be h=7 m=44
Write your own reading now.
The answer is h=11 m=7
